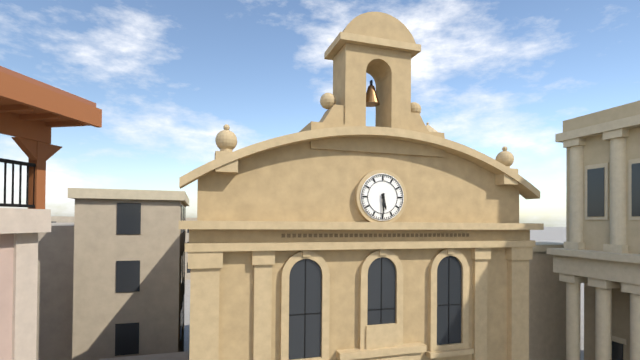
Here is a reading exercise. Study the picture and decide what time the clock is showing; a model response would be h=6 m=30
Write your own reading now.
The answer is h=5 m=30
